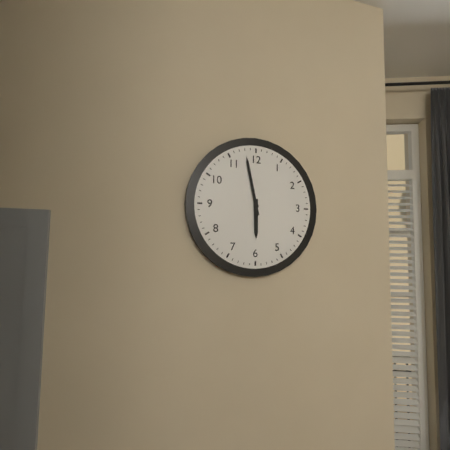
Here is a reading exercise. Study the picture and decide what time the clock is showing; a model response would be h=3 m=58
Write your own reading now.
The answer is h=5 m=58
